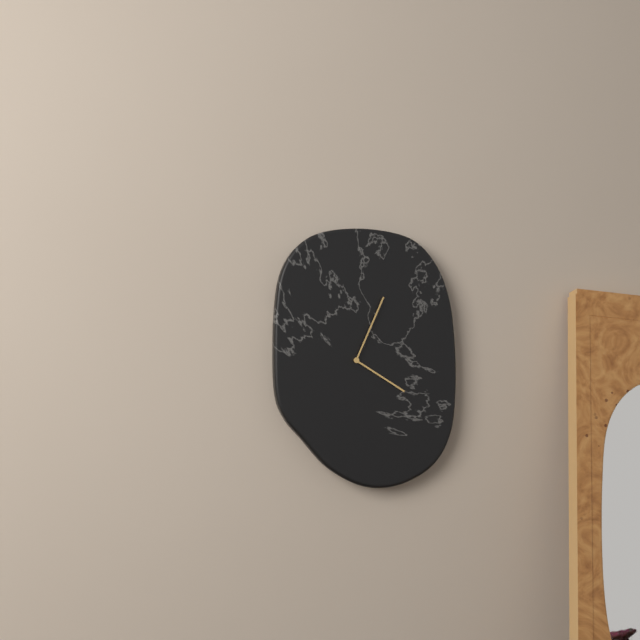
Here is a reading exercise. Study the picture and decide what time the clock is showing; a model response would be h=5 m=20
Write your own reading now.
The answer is h=4 m=4
